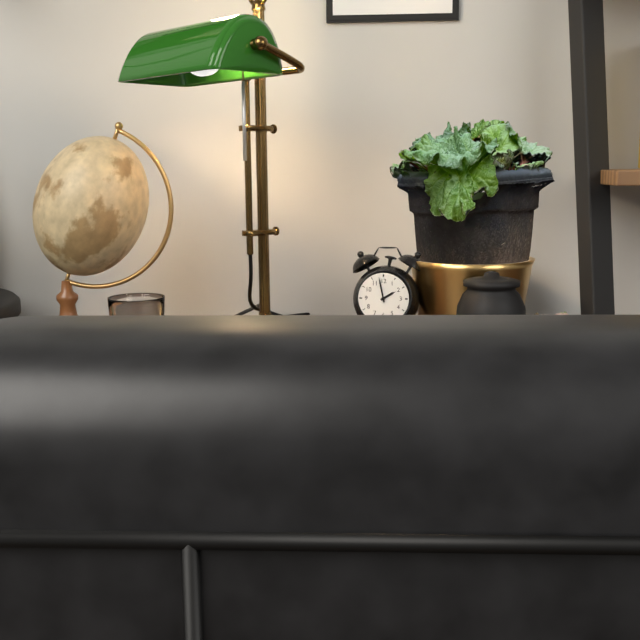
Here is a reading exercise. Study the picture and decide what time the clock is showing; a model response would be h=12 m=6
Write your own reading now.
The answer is h=1 m=58
